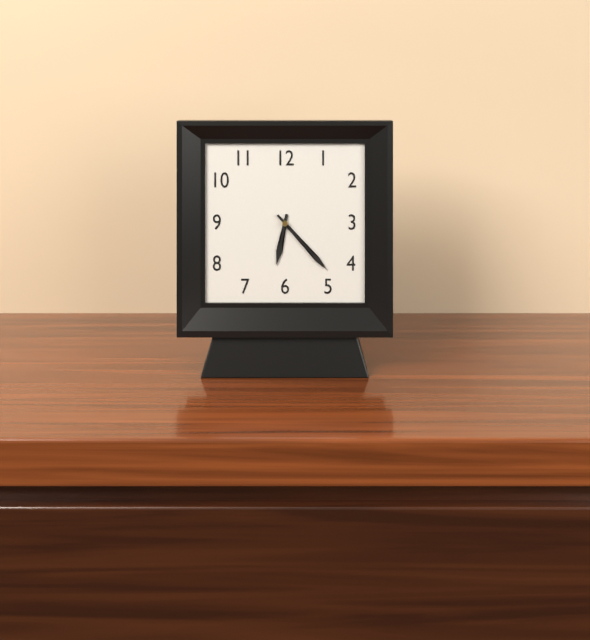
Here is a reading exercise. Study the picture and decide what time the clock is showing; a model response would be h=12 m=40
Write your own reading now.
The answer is h=6 m=23
